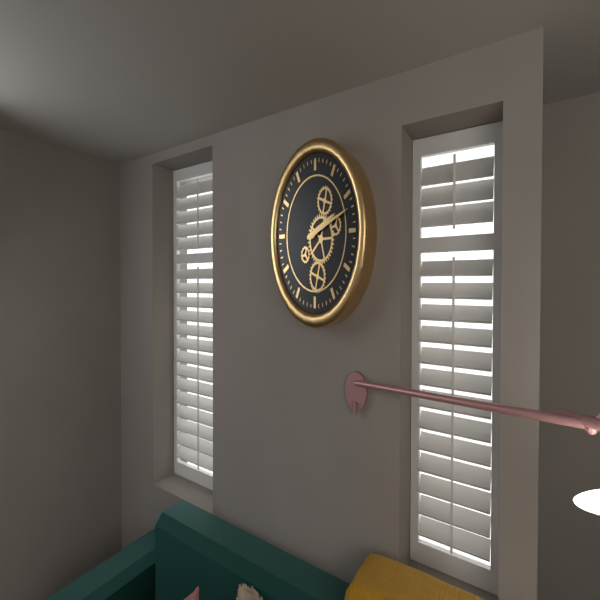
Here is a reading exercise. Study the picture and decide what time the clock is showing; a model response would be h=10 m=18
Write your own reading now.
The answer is h=2 m=12
